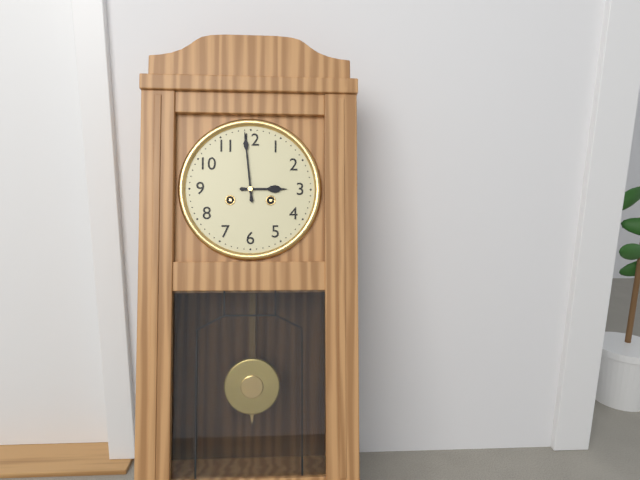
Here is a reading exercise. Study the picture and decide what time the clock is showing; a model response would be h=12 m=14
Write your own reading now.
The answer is h=2 m=59
